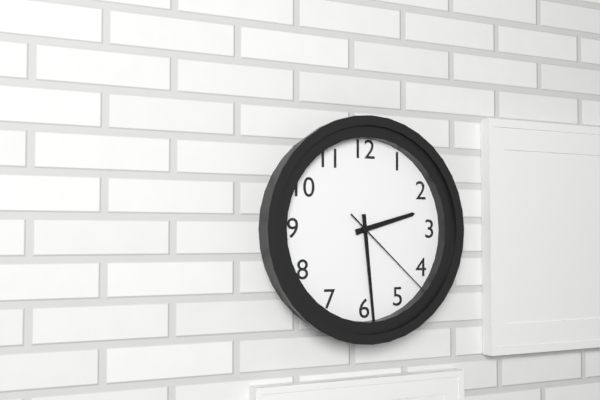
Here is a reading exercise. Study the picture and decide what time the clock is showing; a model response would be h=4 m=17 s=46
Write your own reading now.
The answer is h=2 m=29 s=22
